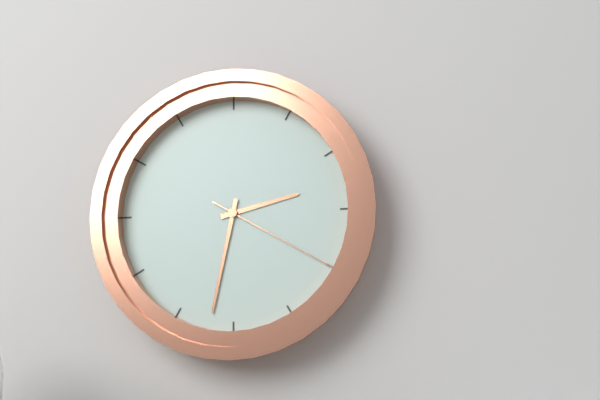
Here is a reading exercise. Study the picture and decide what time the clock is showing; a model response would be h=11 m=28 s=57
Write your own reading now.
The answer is h=2 m=32 s=20
